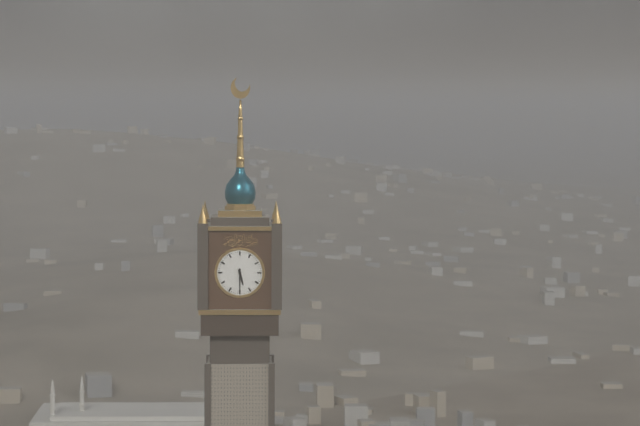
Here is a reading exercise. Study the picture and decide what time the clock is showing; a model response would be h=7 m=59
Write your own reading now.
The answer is h=5 m=30
